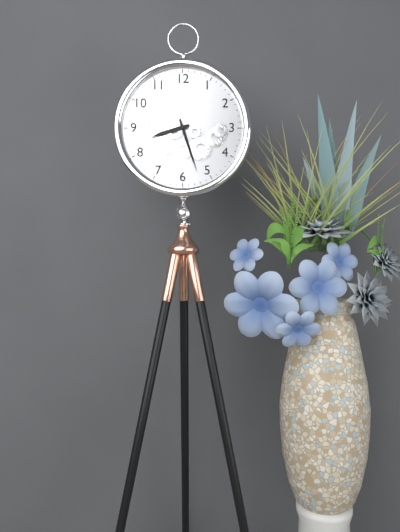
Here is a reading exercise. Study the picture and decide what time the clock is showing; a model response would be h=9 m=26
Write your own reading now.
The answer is h=8 m=27
